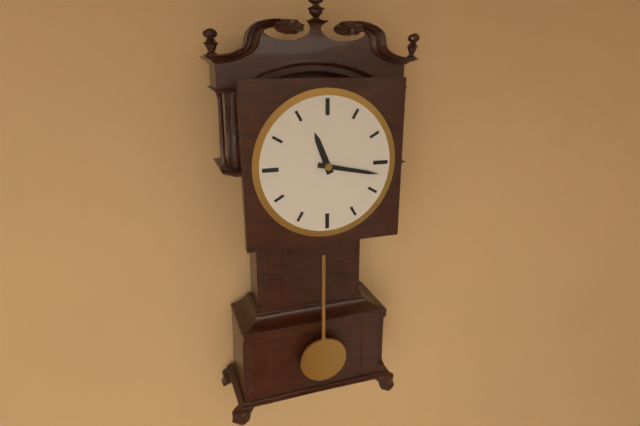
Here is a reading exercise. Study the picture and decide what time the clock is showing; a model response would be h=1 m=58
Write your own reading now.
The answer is h=11 m=17
